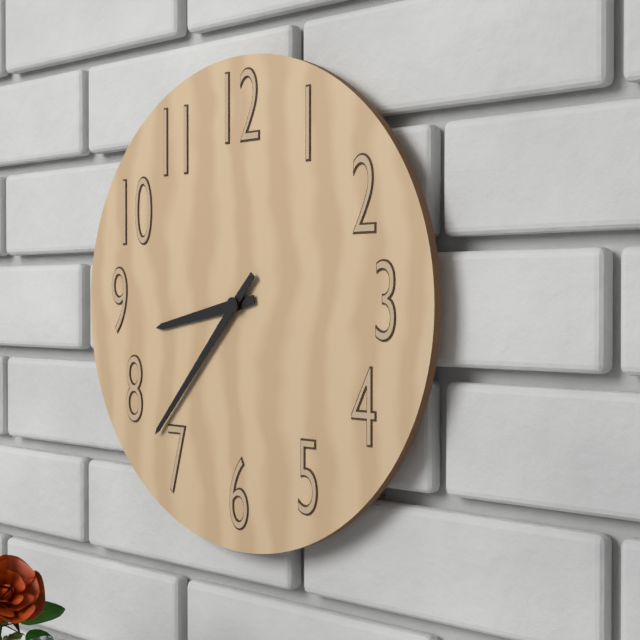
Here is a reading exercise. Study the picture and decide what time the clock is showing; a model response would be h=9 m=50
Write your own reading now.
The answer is h=8 m=37
